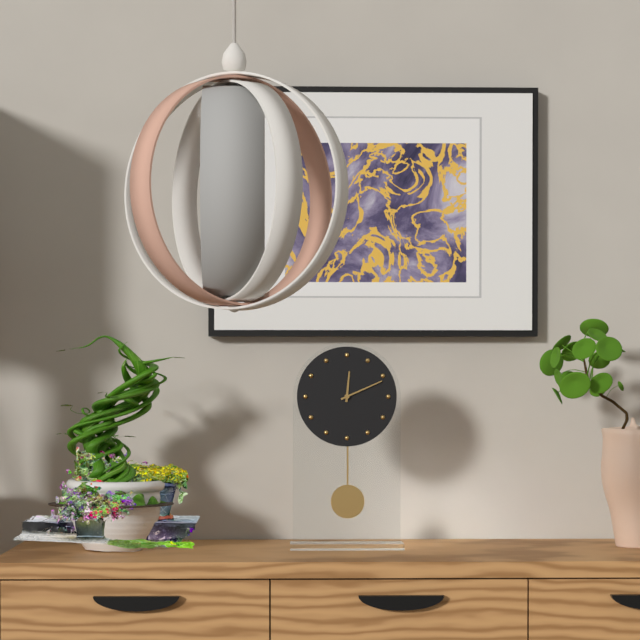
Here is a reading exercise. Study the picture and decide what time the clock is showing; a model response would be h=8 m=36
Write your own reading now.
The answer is h=12 m=11
